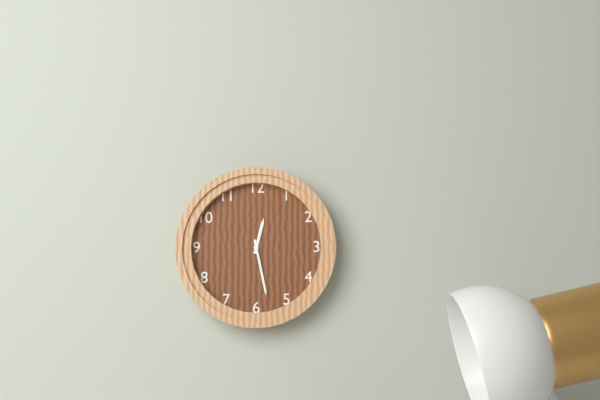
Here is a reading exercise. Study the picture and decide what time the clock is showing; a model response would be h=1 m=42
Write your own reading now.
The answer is h=12 m=28
